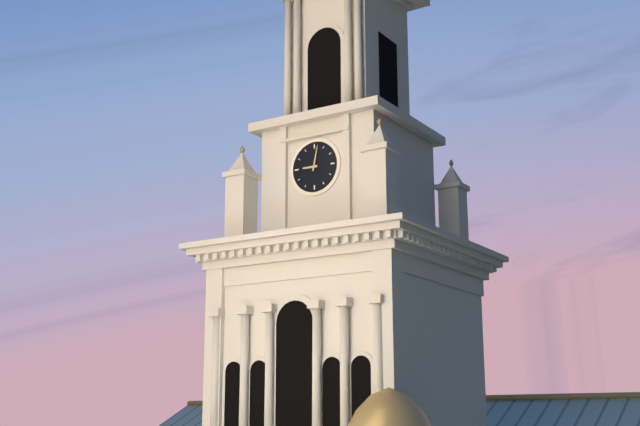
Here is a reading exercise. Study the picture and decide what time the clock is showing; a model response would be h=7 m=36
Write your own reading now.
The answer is h=9 m=2
